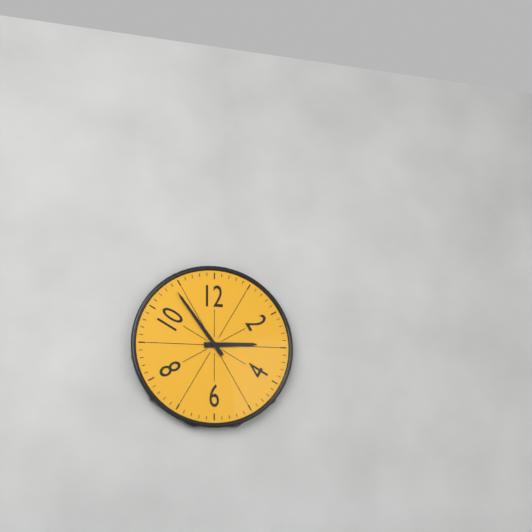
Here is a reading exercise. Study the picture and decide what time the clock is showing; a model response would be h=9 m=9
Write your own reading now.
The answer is h=2 m=54
